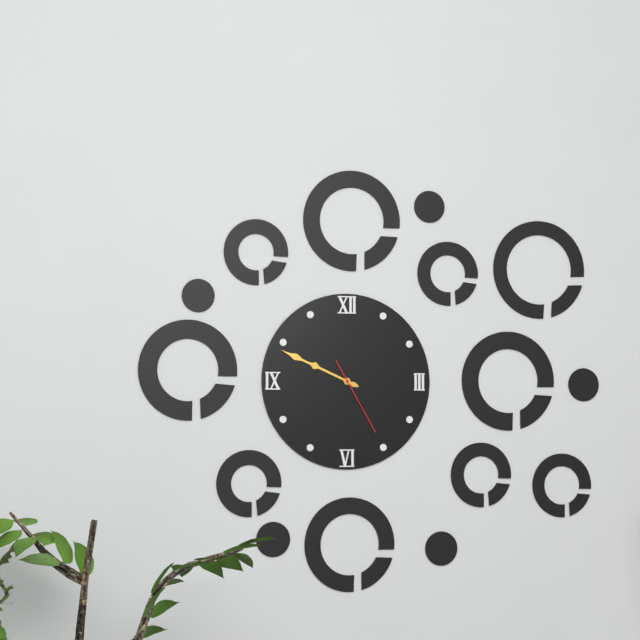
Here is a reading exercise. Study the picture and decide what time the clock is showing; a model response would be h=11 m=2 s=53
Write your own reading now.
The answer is h=9 m=49 s=25
